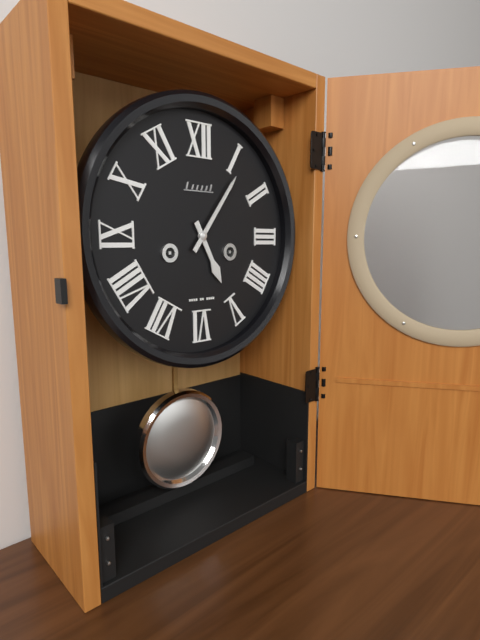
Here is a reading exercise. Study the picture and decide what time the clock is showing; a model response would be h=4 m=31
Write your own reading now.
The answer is h=5 m=6
